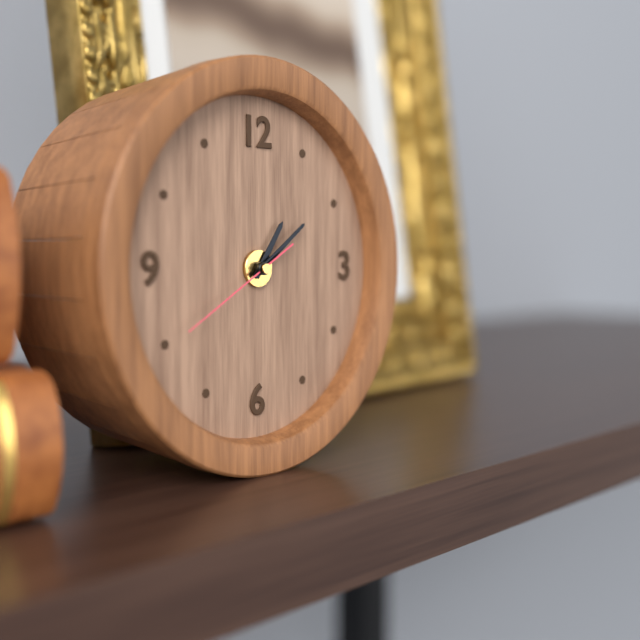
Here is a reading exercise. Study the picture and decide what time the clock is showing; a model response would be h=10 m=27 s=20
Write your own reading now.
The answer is h=1 m=9 s=40
